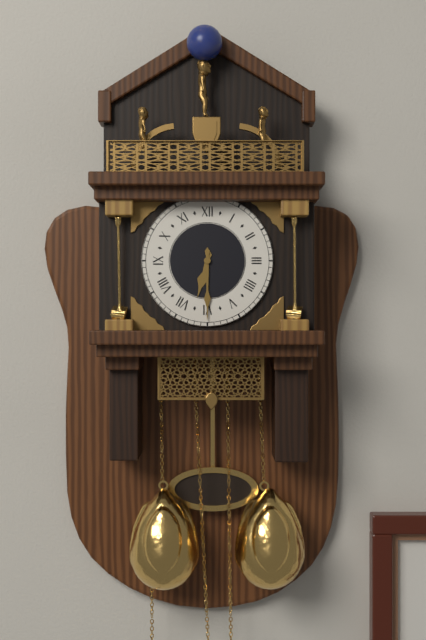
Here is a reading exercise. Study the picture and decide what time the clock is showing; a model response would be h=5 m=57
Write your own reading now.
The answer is h=6 m=30
